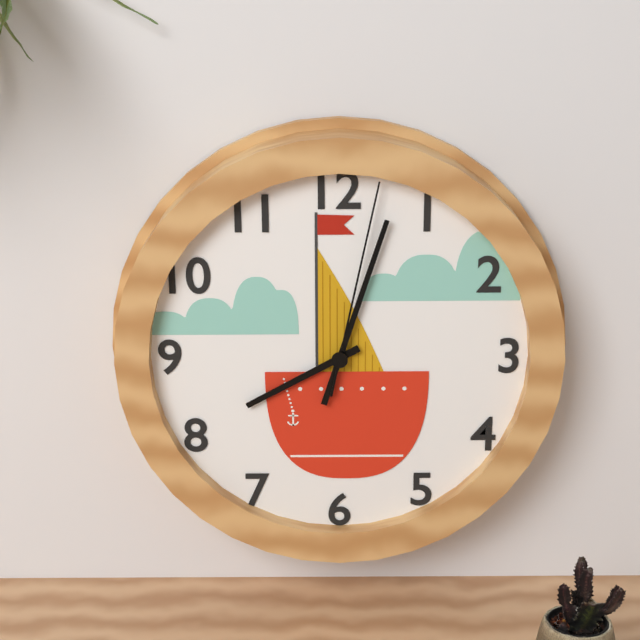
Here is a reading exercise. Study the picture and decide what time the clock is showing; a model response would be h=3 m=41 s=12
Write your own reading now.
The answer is h=8 m=3 s=2
